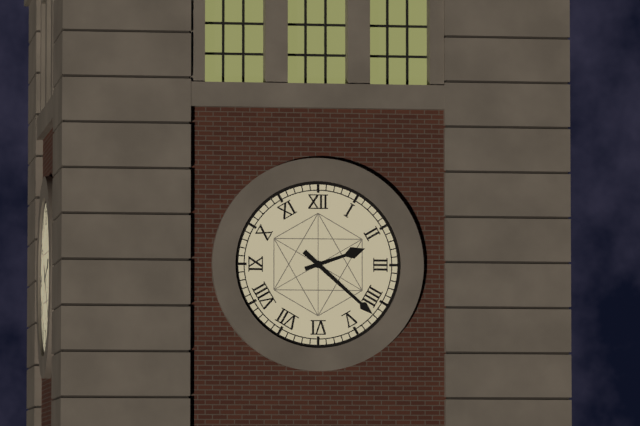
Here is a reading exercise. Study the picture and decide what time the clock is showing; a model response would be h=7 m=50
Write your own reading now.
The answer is h=2 m=22
